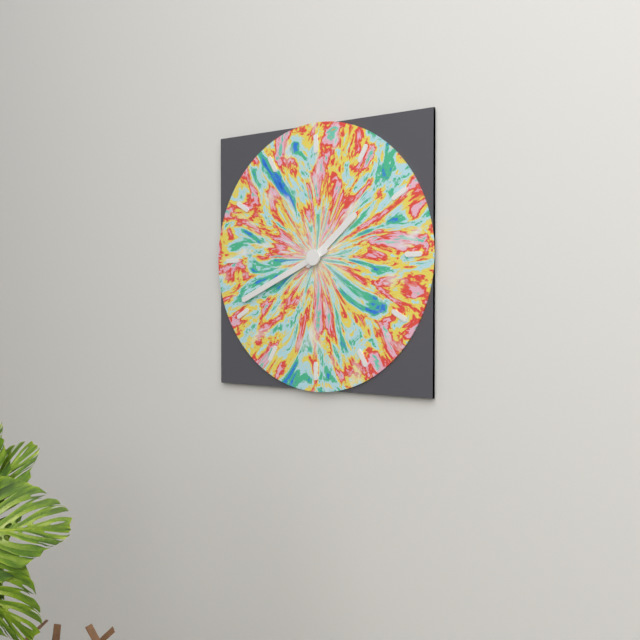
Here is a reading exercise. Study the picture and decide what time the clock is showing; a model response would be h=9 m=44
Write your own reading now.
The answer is h=1 m=41
